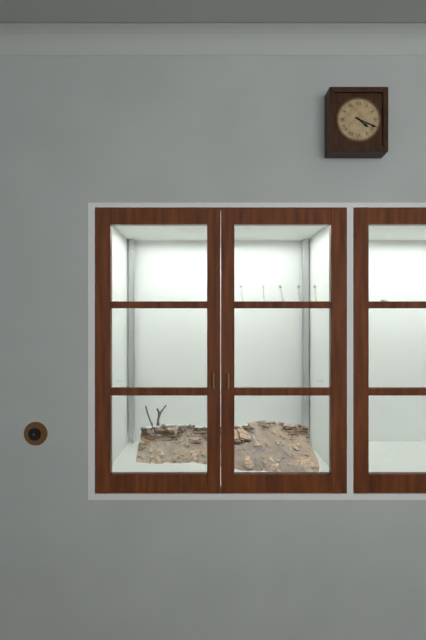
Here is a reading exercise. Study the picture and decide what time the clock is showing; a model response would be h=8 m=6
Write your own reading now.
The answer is h=4 m=19
